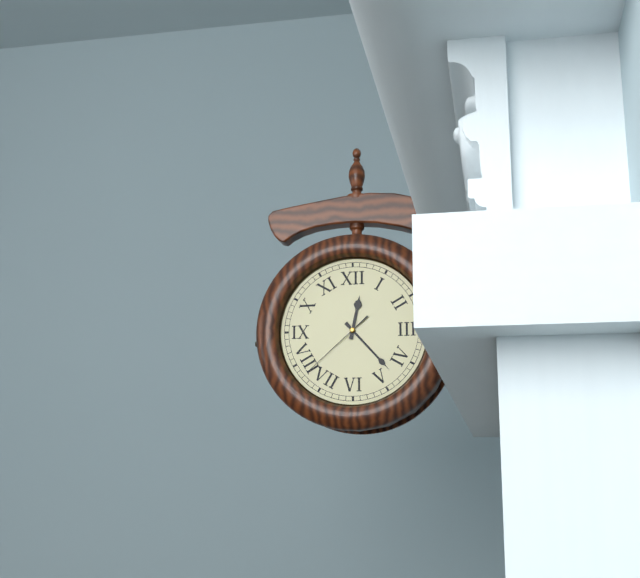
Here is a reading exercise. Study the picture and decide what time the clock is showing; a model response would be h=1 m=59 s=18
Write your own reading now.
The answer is h=12 m=23 s=38
